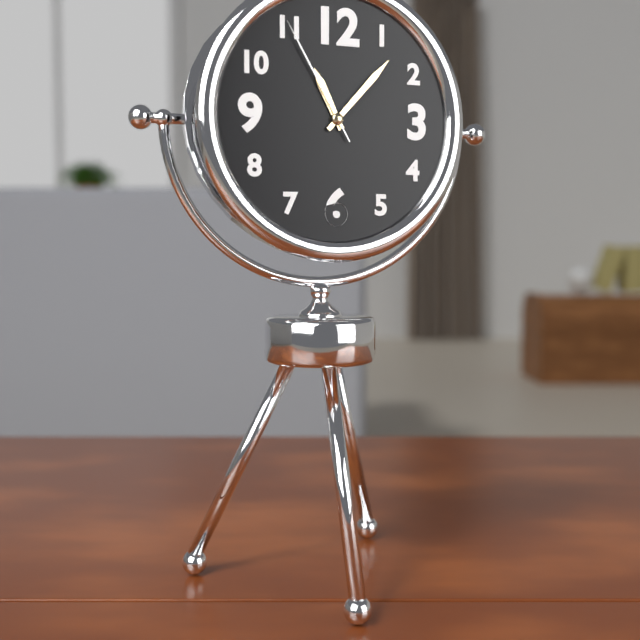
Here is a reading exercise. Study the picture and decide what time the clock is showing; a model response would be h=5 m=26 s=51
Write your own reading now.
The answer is h=11 m=7 s=55
